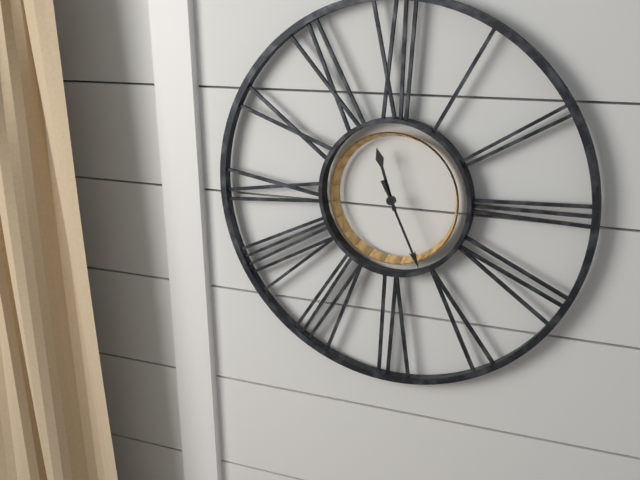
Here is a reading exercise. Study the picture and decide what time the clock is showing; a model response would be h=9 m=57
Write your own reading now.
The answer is h=11 m=26
